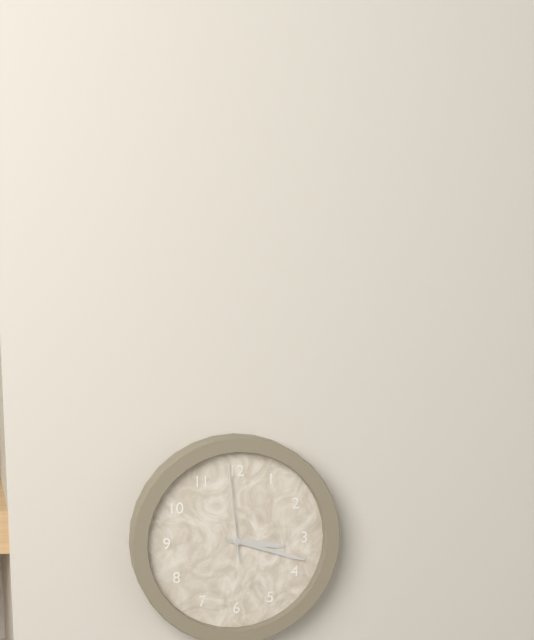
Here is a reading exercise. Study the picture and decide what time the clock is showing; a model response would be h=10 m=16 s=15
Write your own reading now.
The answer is h=3 m=18 s=59
